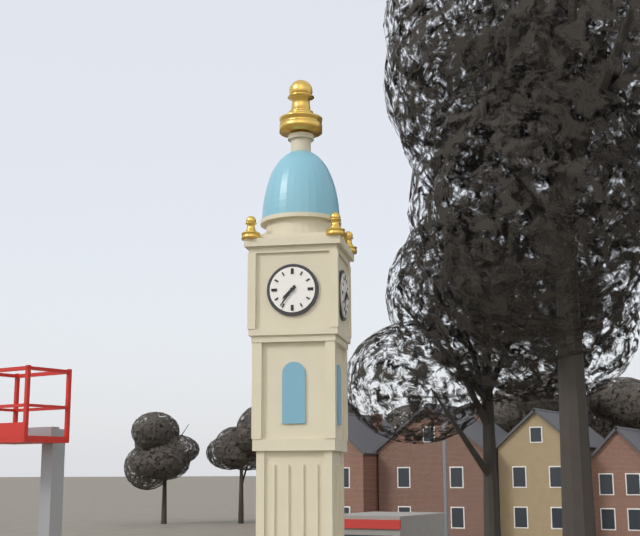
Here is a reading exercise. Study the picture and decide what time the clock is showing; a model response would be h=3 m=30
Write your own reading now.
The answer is h=7 m=36
